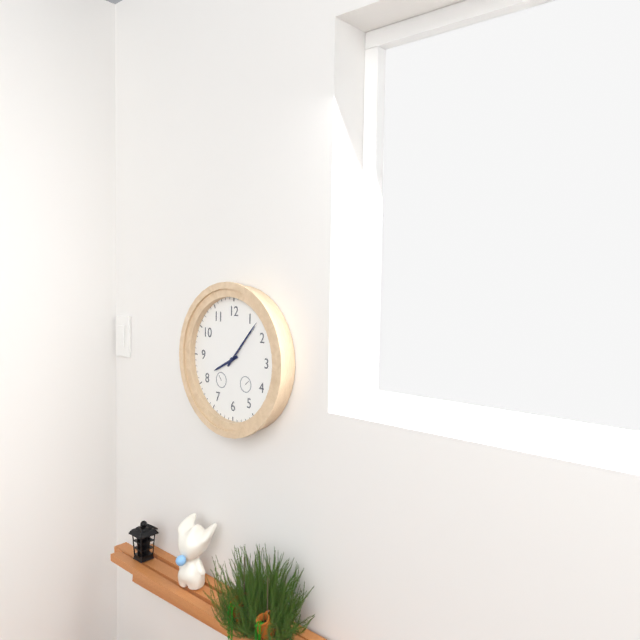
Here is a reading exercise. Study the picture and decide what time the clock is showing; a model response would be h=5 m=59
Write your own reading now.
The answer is h=8 m=7
